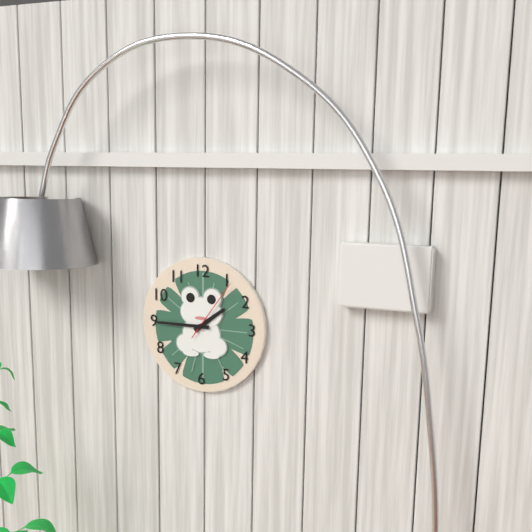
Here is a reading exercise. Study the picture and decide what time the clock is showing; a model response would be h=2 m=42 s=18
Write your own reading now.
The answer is h=1 m=45 s=6
